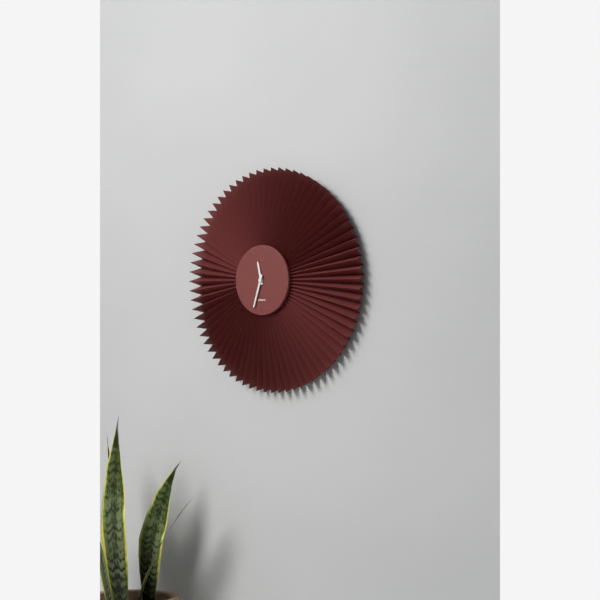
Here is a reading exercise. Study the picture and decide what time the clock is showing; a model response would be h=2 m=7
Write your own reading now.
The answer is h=11 m=33
